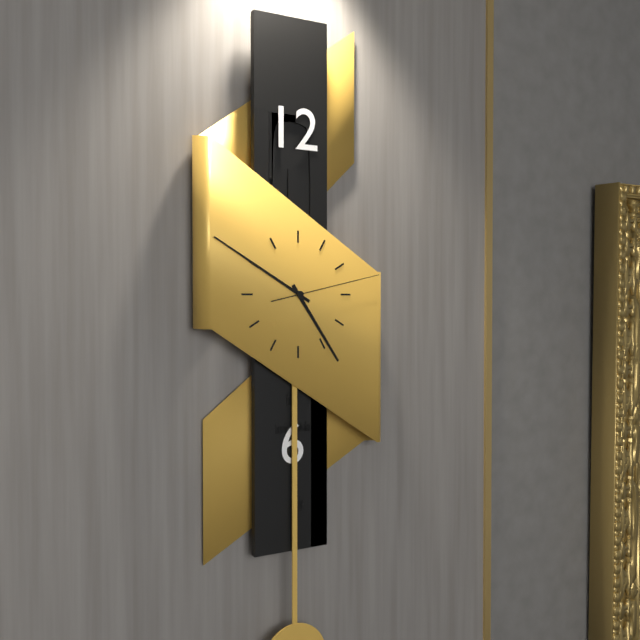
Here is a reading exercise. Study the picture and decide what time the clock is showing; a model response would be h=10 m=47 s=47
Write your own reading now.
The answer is h=4 m=50 s=13
